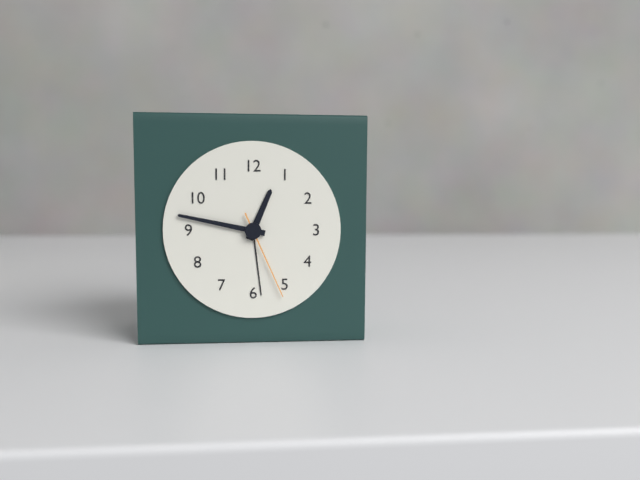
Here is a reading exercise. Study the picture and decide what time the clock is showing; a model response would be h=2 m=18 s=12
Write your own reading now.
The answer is h=12 m=47 s=26
